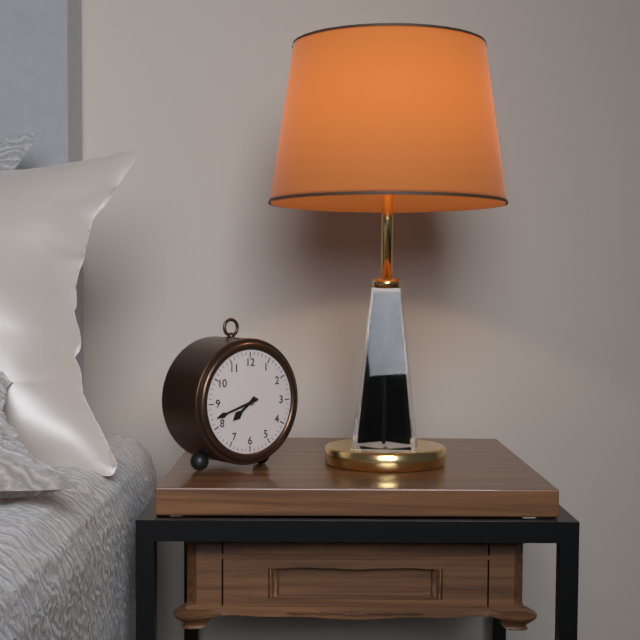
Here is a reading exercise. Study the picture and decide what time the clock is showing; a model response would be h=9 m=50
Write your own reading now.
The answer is h=7 m=42
